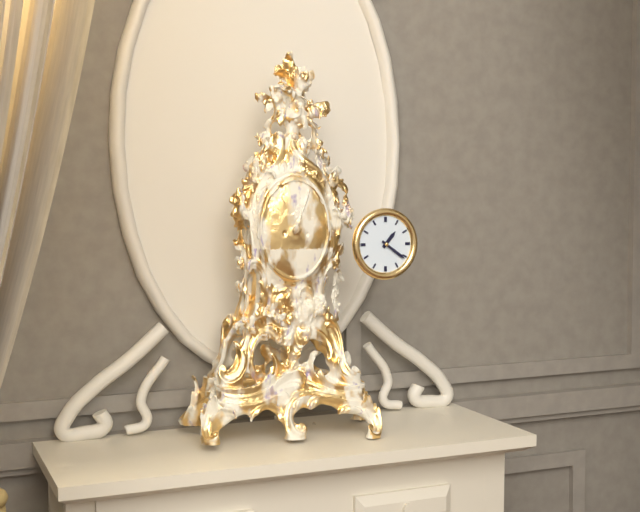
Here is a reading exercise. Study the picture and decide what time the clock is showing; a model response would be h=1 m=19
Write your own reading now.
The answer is h=1 m=21
